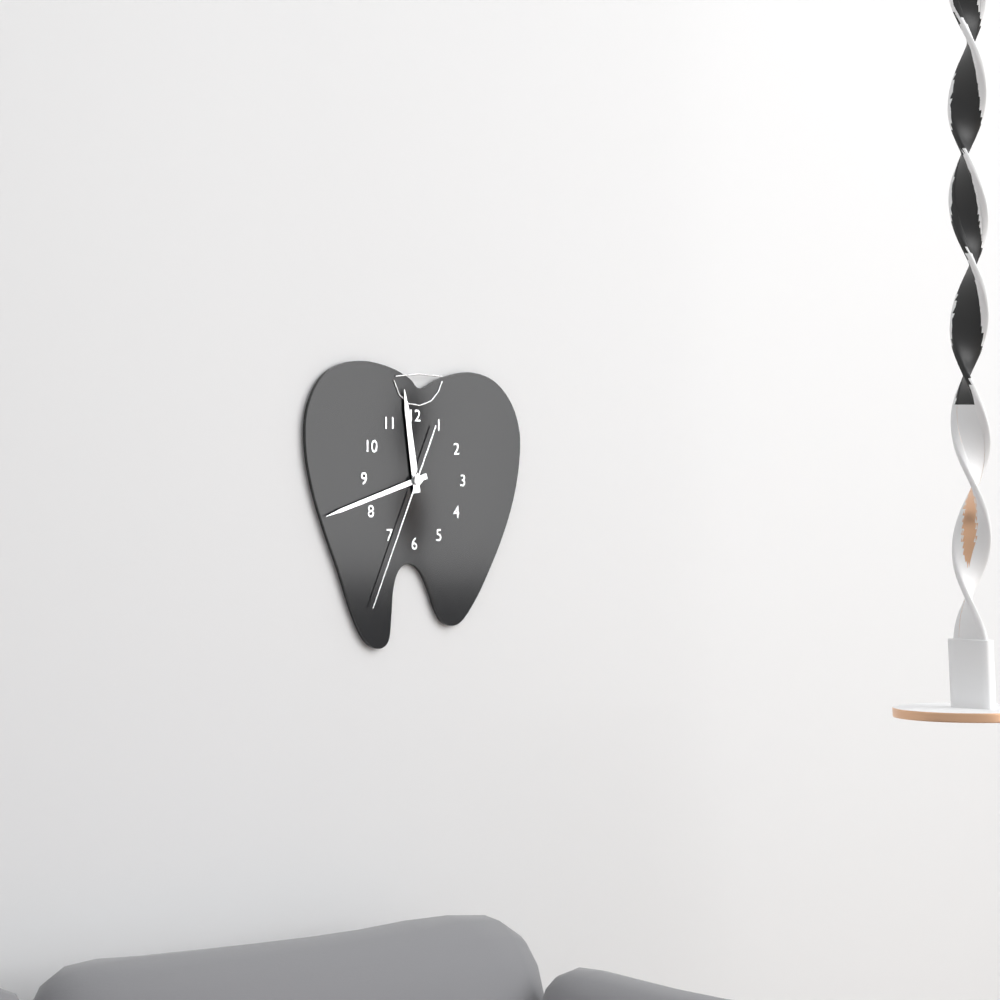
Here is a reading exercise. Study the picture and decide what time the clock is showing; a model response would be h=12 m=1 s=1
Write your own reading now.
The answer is h=11 m=42 s=34
